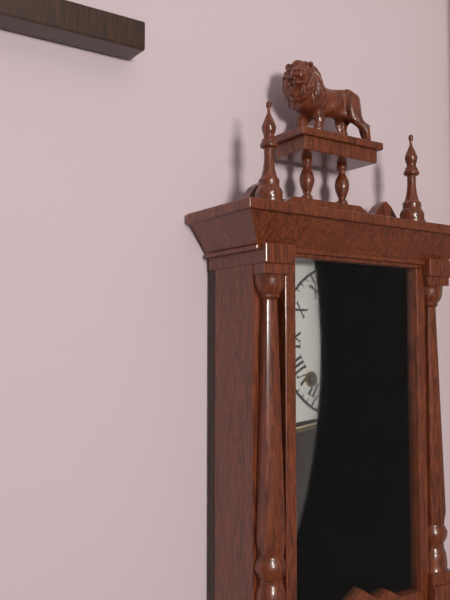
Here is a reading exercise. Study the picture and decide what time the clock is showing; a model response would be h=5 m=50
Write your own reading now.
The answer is h=10 m=31
